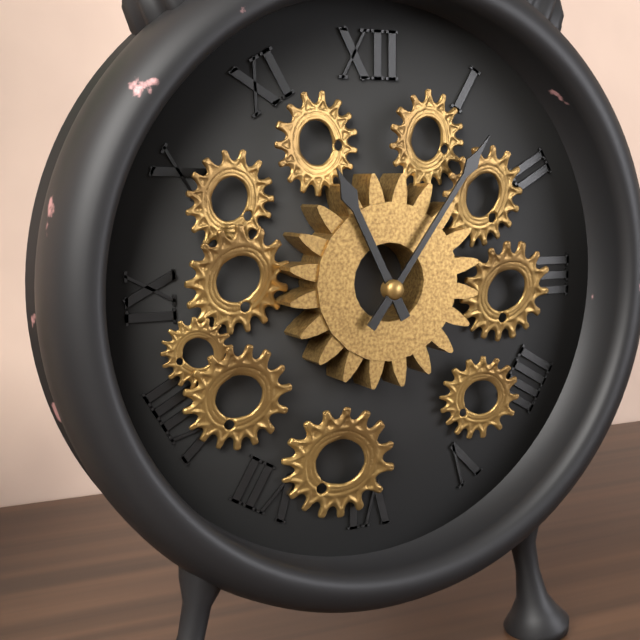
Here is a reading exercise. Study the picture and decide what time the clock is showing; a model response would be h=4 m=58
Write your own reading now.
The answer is h=11 m=6
